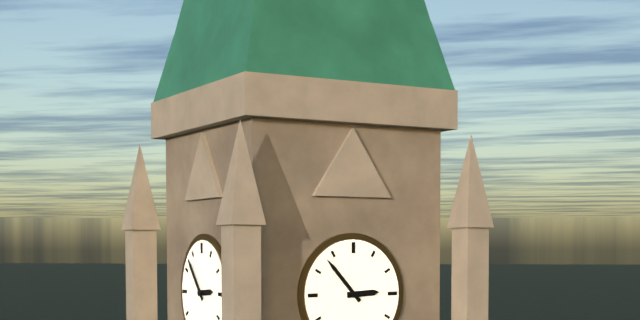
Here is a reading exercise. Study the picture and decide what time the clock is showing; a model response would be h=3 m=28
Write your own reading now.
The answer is h=2 m=53
